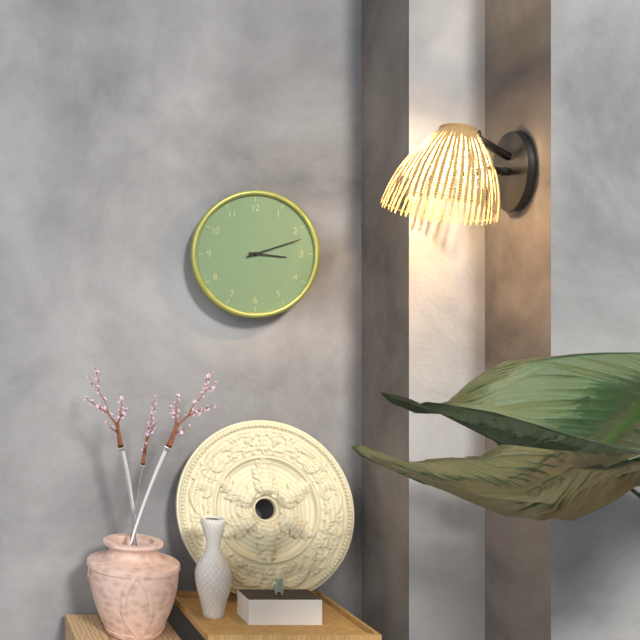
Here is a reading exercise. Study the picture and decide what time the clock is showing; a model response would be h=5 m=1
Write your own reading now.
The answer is h=3 m=12
